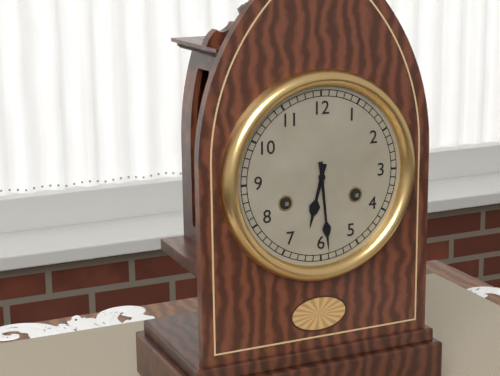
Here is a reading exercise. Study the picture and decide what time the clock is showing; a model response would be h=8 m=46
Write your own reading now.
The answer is h=6 m=29
